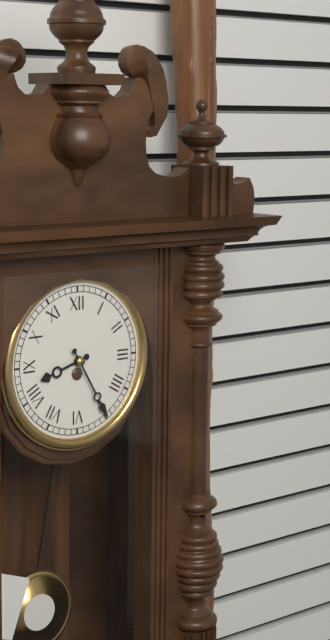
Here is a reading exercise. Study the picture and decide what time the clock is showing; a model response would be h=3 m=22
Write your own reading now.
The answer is h=8 m=25
